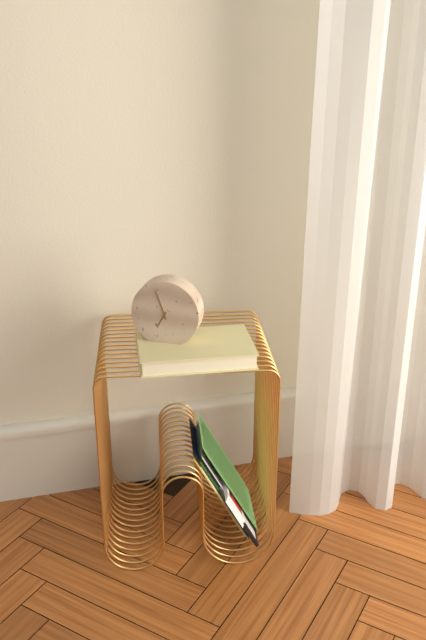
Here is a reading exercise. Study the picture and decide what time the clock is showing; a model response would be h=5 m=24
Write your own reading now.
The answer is h=6 m=57
